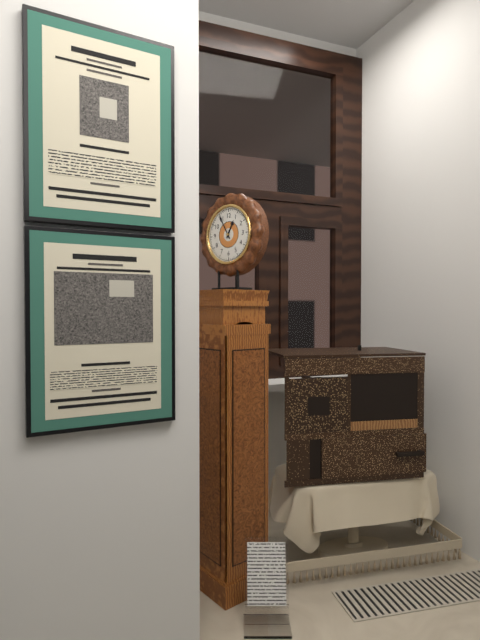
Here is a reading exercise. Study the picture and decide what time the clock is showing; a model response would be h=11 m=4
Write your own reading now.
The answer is h=12 m=55
